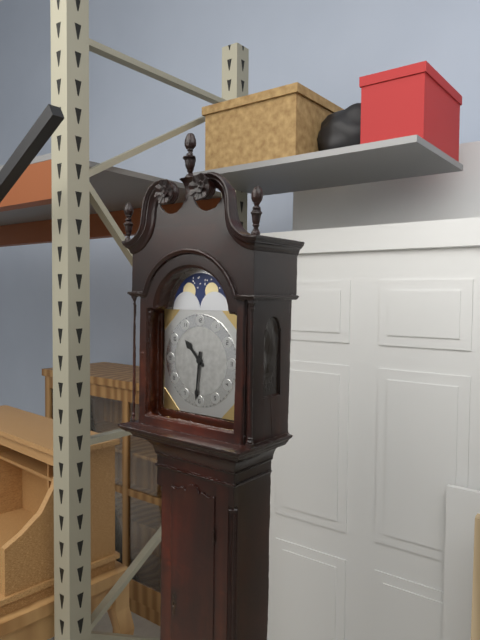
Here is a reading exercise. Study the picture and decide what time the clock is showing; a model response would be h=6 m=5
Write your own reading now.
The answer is h=10 m=31
